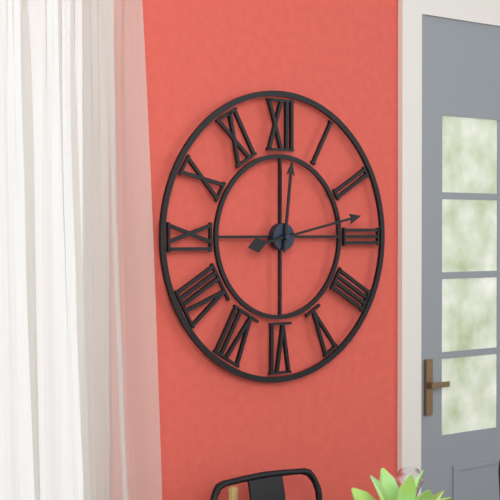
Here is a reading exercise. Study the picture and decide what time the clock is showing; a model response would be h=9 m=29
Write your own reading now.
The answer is h=12 m=13
